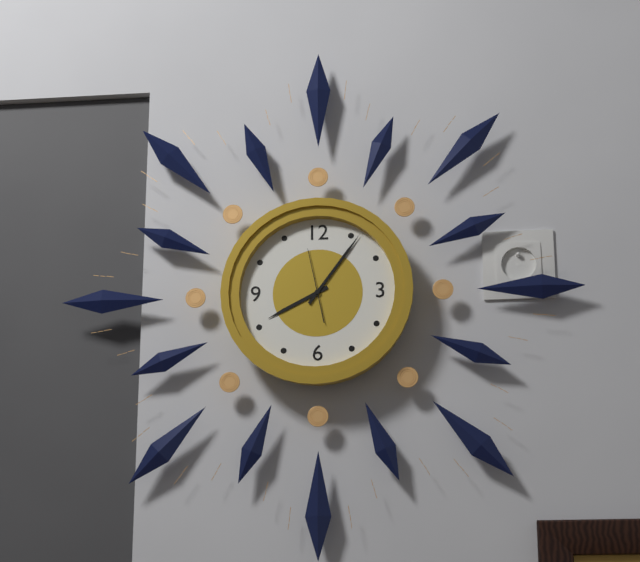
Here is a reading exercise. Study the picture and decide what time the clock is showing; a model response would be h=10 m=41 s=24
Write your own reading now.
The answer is h=8 m=6 s=58
